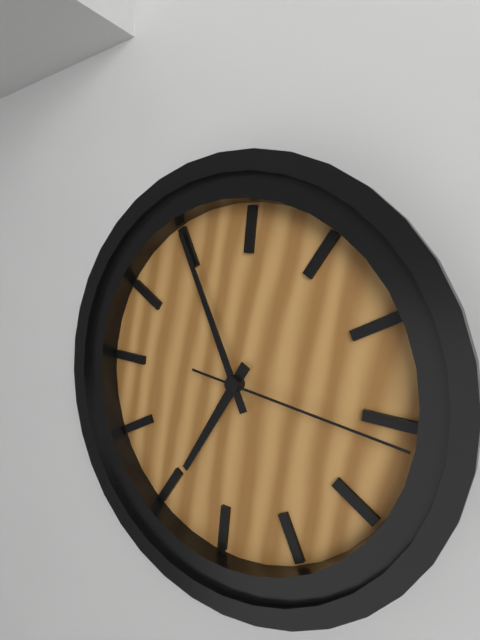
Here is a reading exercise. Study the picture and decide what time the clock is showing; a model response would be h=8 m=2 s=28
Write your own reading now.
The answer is h=6 m=55 s=16
